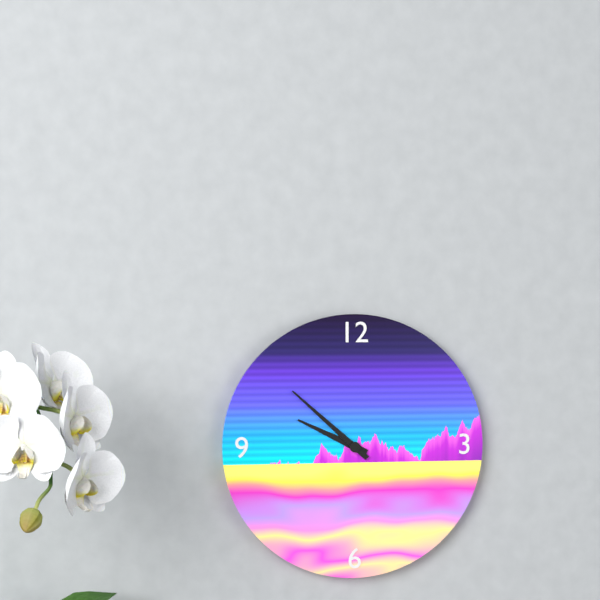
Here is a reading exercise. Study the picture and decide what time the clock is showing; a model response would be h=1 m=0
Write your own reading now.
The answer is h=9 m=52
